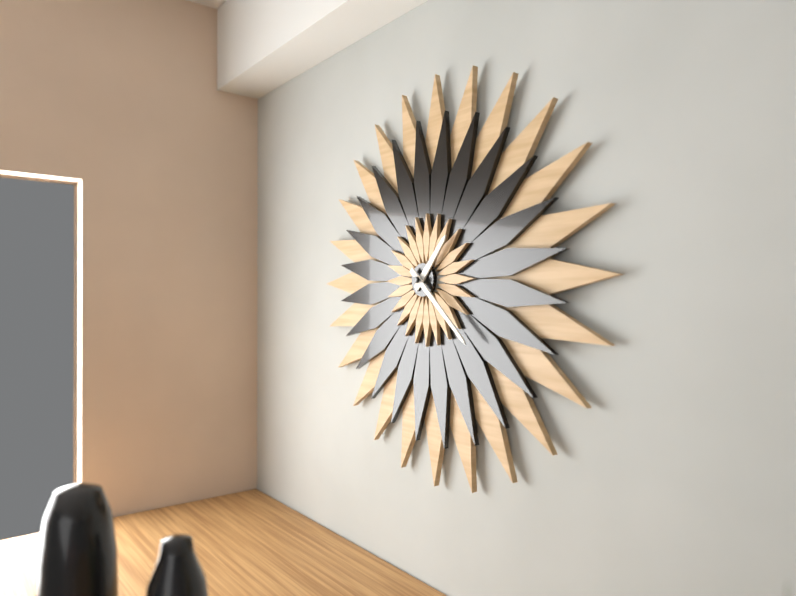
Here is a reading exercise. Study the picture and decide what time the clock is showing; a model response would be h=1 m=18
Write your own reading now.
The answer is h=1 m=22
